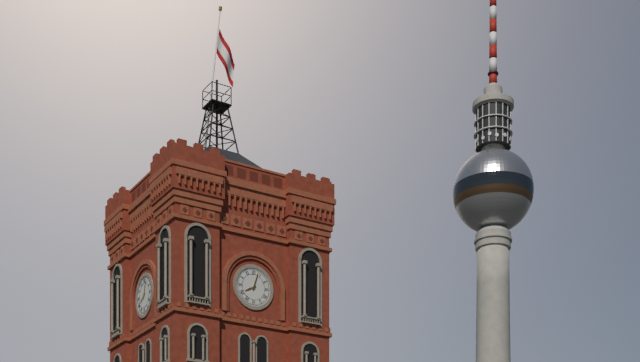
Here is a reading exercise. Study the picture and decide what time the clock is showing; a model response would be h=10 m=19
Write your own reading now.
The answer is h=8 m=3
